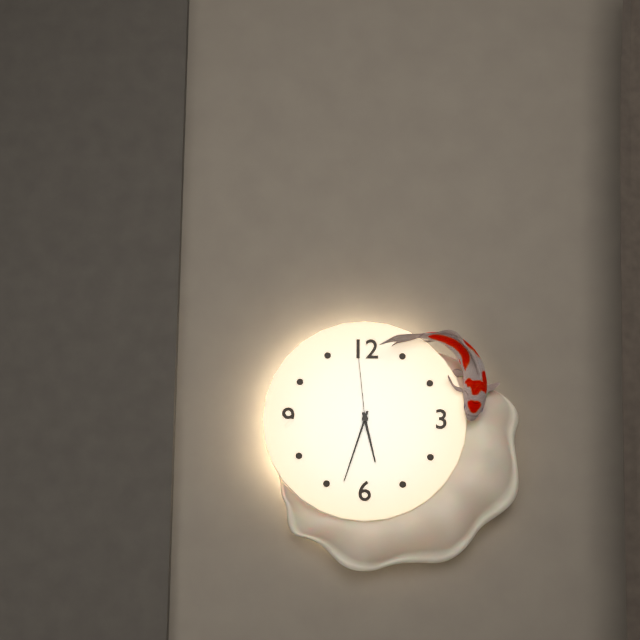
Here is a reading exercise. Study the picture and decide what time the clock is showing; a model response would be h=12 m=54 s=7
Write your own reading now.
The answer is h=5 m=33 s=59
